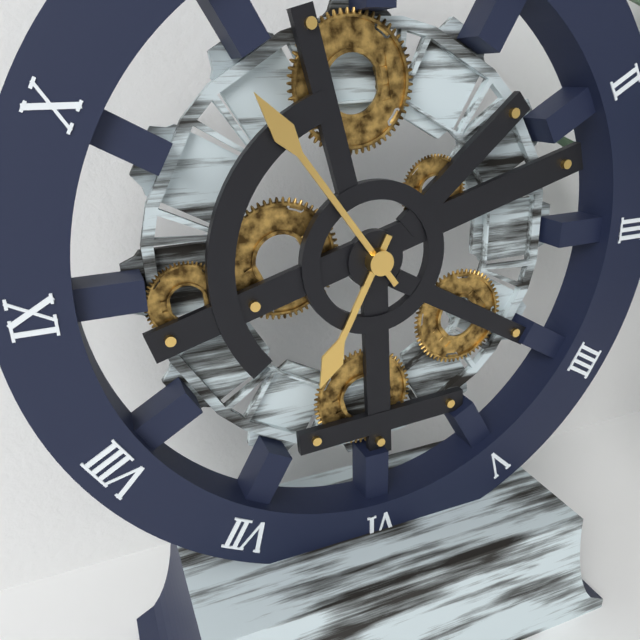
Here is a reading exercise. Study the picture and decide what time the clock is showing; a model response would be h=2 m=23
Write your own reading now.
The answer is h=6 m=54
